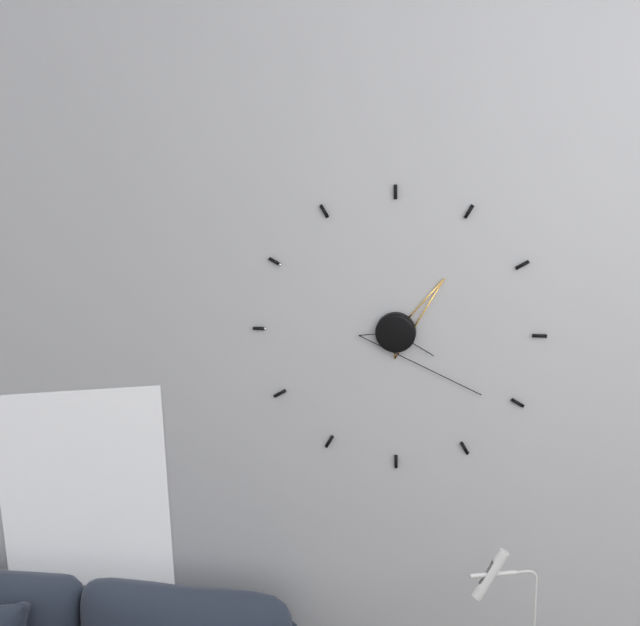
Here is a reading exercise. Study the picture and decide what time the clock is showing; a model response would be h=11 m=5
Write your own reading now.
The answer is h=1 m=21
